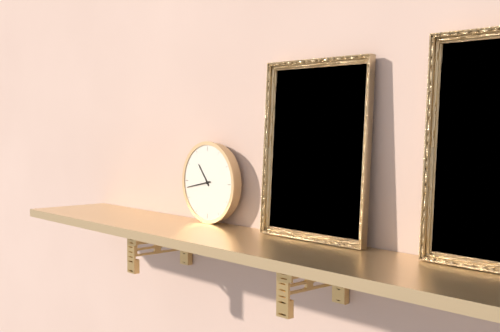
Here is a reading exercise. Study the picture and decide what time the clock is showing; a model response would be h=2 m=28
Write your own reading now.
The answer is h=10 m=43
